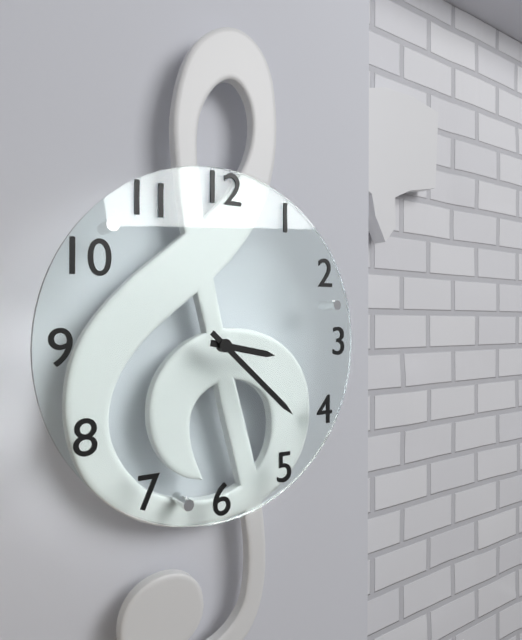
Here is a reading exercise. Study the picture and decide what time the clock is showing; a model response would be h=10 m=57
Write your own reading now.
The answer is h=3 m=22
